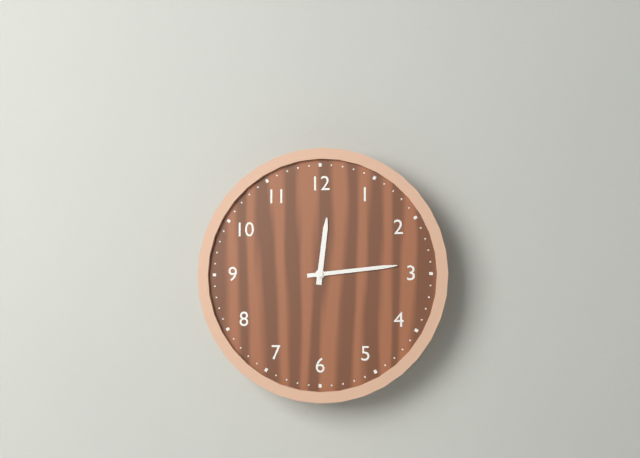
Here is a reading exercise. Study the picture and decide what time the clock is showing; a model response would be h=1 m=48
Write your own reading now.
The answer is h=12 m=14
